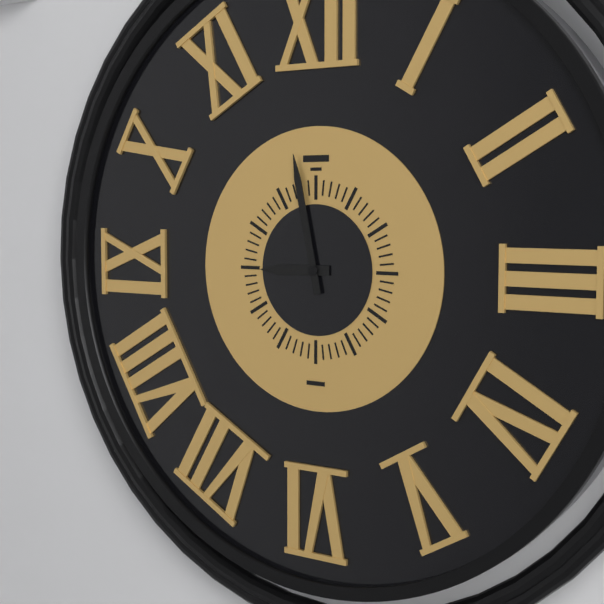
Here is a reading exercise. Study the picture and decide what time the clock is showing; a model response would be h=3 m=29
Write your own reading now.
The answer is h=8 m=58
